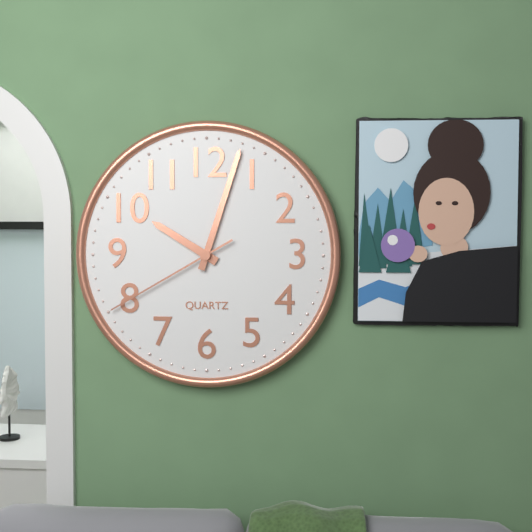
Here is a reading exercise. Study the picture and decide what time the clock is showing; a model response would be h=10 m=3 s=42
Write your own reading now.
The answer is h=10 m=3 s=40
